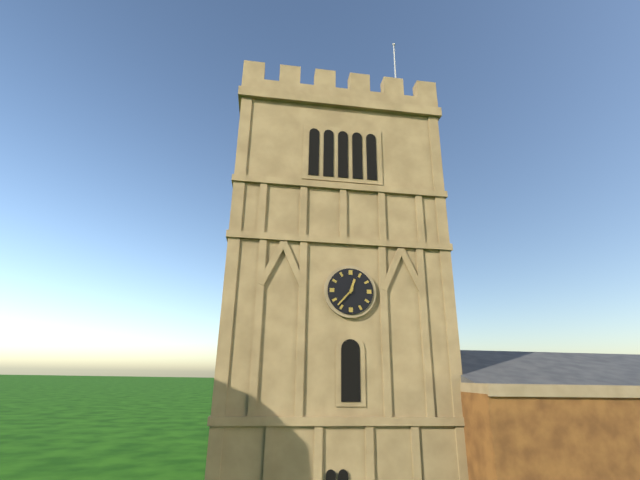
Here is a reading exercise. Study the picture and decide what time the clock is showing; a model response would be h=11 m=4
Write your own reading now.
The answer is h=12 m=37
